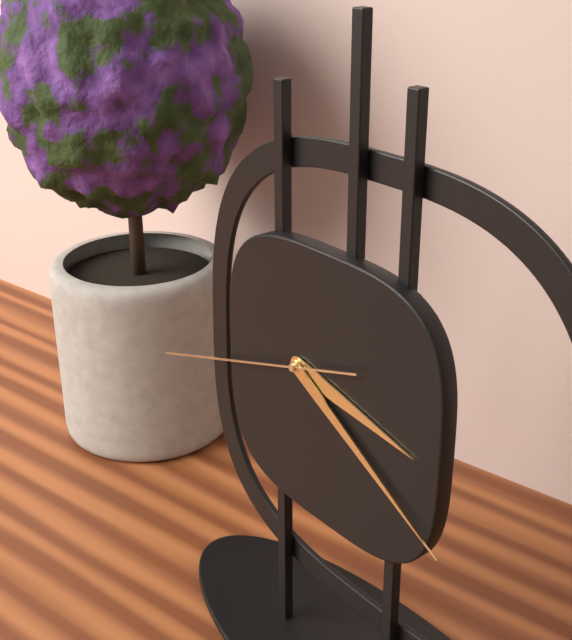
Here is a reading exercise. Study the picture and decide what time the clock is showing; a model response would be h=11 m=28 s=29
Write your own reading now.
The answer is h=3 m=20 s=42
